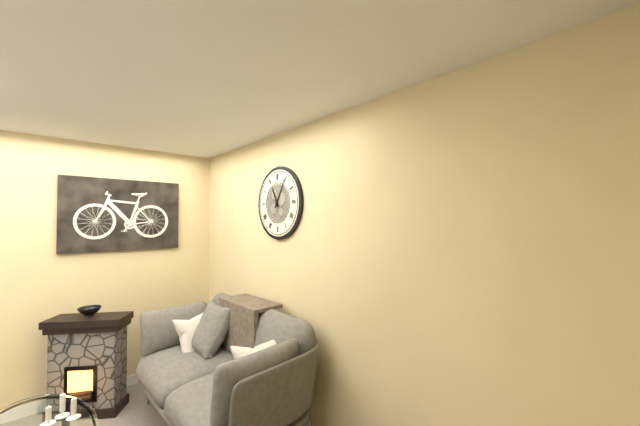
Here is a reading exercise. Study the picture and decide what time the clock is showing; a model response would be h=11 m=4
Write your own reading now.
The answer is h=11 m=5
